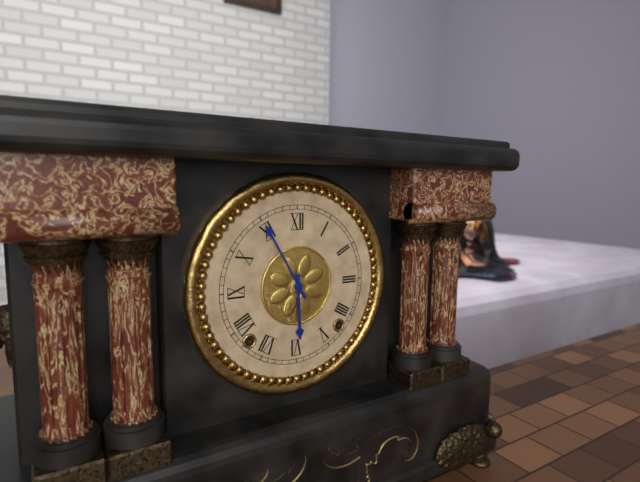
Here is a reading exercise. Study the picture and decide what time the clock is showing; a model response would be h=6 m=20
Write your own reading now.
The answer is h=5 m=55
